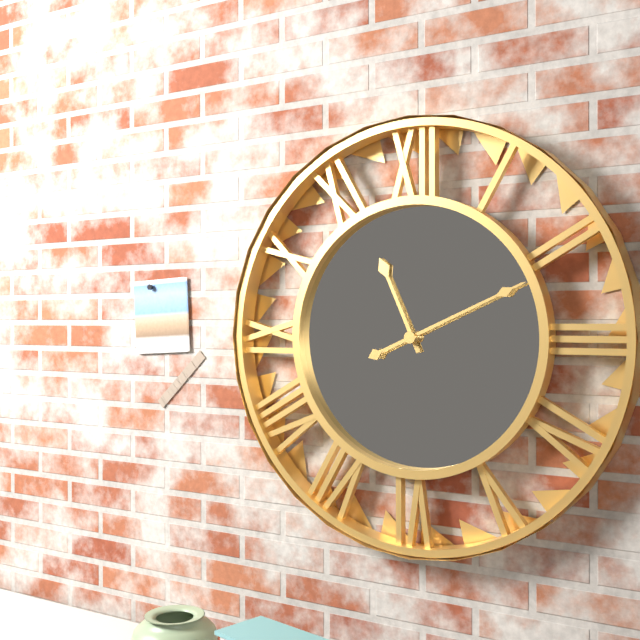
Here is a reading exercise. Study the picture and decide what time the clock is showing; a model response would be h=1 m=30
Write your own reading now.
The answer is h=11 m=11
